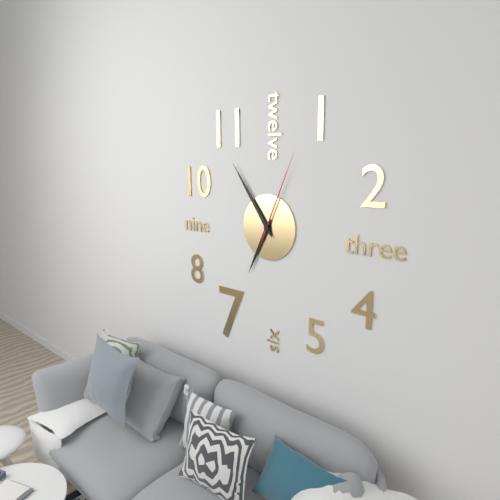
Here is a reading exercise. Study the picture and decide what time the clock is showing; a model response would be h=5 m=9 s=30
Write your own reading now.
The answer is h=6 m=54 s=4
